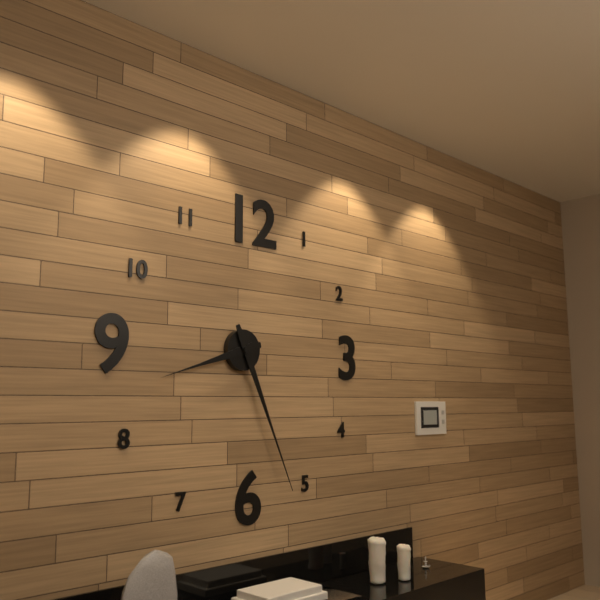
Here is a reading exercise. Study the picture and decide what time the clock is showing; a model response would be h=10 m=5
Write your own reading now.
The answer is h=8 m=26
